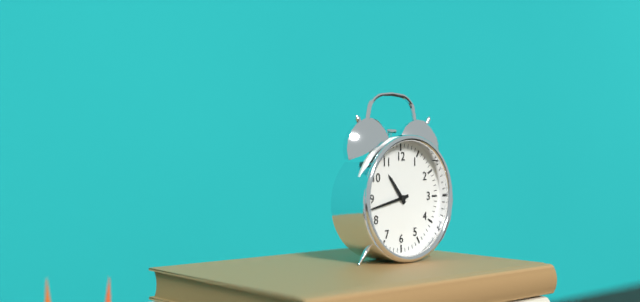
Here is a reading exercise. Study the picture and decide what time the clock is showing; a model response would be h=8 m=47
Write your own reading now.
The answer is h=10 m=43
